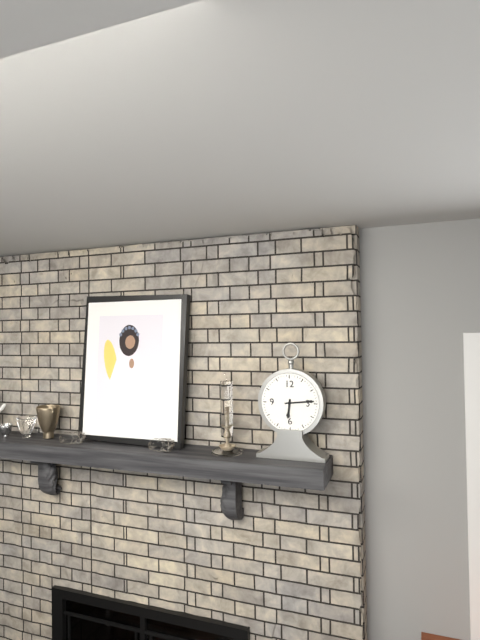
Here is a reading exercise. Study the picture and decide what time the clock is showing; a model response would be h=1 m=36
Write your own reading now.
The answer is h=6 m=14
